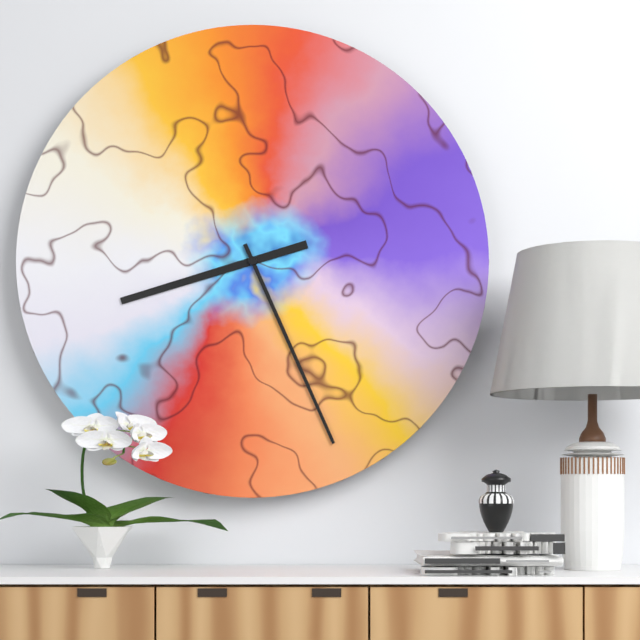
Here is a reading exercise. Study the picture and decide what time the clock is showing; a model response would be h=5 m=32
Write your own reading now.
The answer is h=8 m=26
